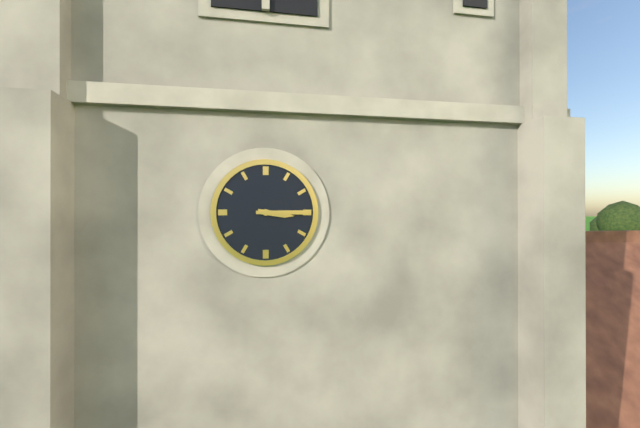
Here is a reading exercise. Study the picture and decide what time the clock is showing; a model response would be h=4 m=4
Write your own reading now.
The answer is h=3 m=15
